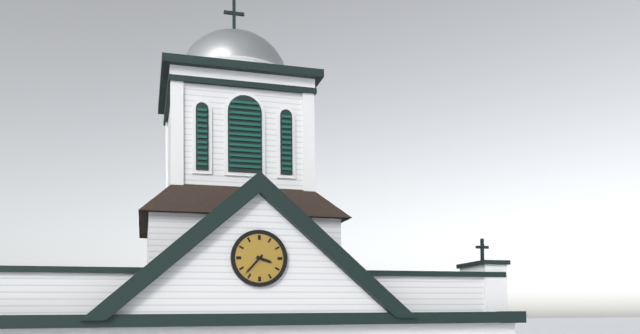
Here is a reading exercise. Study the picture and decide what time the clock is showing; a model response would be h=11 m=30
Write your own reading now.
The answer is h=3 m=37
